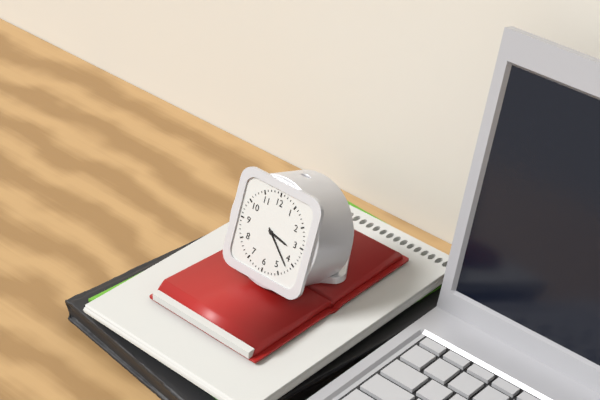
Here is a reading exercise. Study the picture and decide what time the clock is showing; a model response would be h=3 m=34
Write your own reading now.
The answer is h=3 m=22
